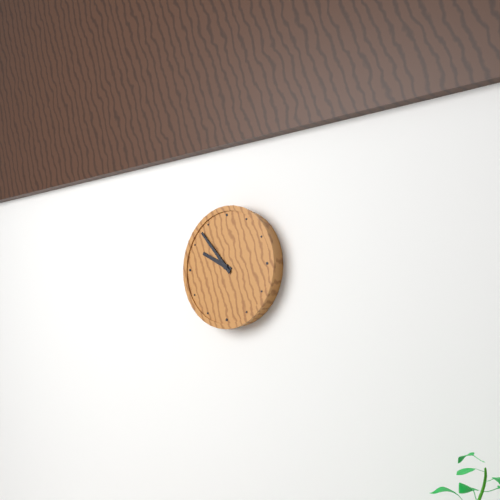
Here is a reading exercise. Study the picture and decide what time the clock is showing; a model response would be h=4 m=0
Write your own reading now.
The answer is h=9 m=53
